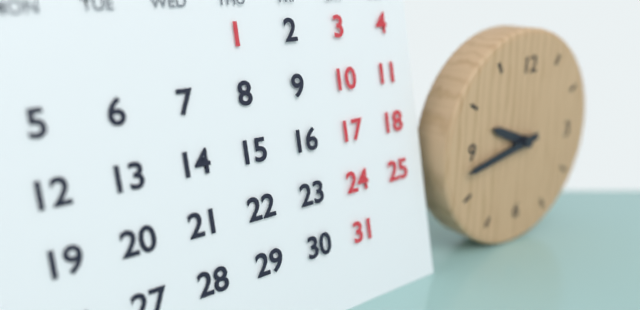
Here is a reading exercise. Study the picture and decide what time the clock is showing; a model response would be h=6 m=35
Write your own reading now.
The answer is h=9 m=43
